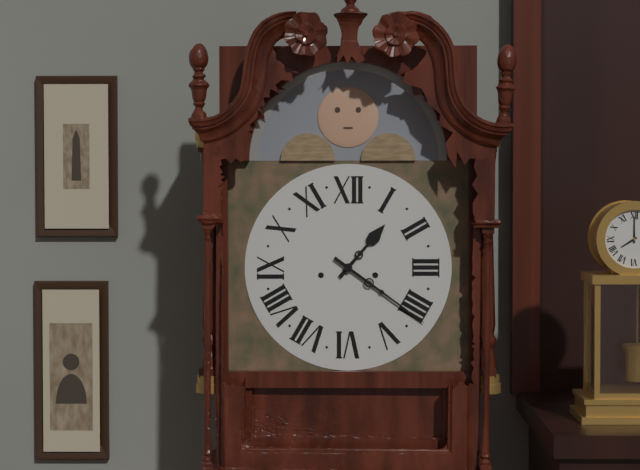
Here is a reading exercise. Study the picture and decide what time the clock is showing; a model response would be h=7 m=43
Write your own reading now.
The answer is h=1 m=21
